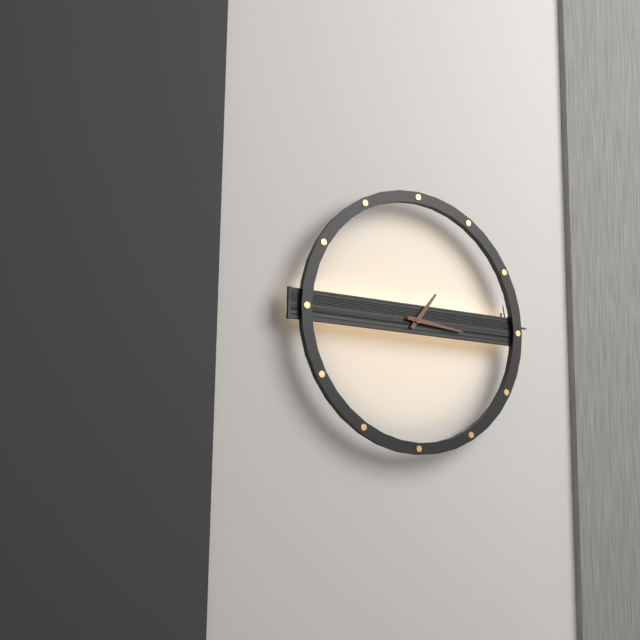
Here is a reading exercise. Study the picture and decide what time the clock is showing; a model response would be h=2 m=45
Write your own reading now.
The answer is h=1 m=16
